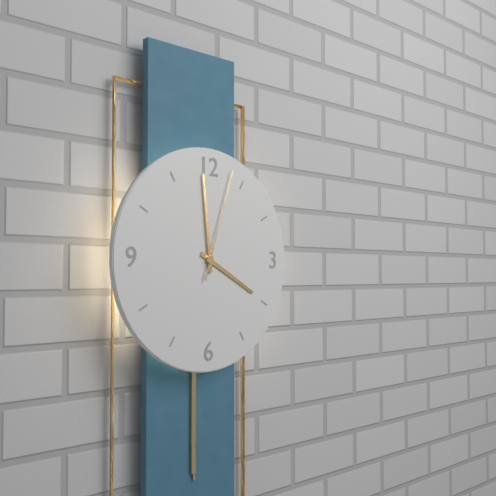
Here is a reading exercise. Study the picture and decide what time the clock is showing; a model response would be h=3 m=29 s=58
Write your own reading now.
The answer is h=3 m=59 s=3
